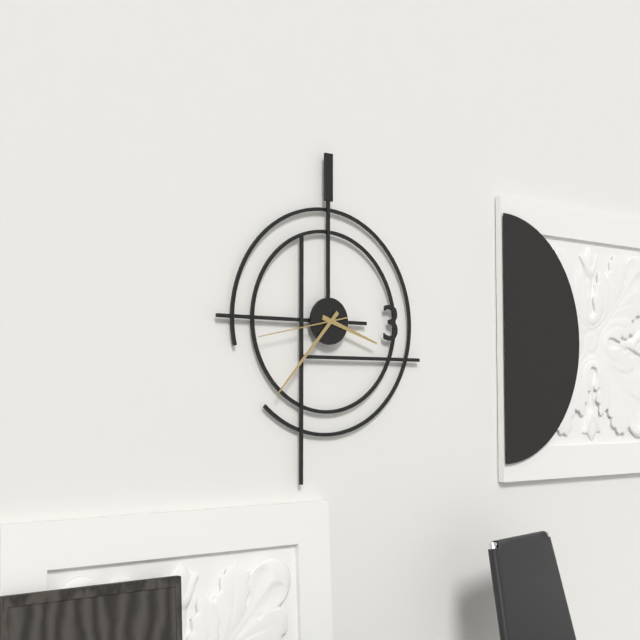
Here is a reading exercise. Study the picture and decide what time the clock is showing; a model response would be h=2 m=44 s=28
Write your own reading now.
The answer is h=3 m=37 s=43
